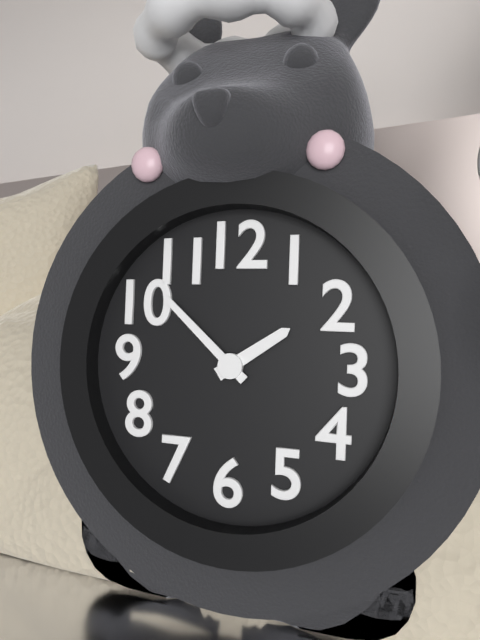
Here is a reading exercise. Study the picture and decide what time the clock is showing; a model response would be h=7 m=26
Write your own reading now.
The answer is h=1 m=52
